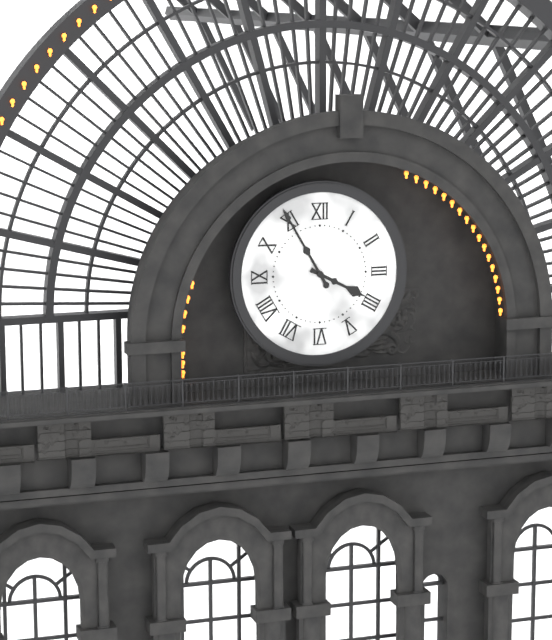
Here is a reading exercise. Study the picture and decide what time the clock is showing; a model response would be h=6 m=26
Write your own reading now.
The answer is h=3 m=55
